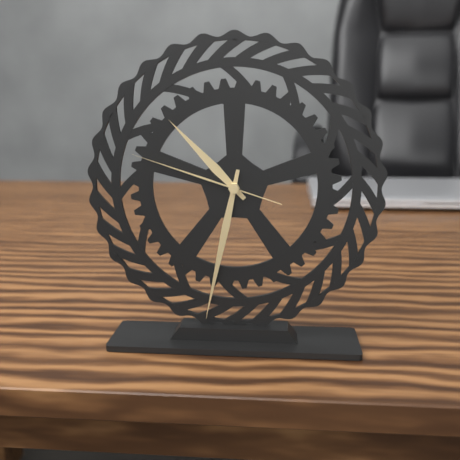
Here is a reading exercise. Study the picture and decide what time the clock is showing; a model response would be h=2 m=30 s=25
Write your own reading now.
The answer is h=10 m=32 s=48
